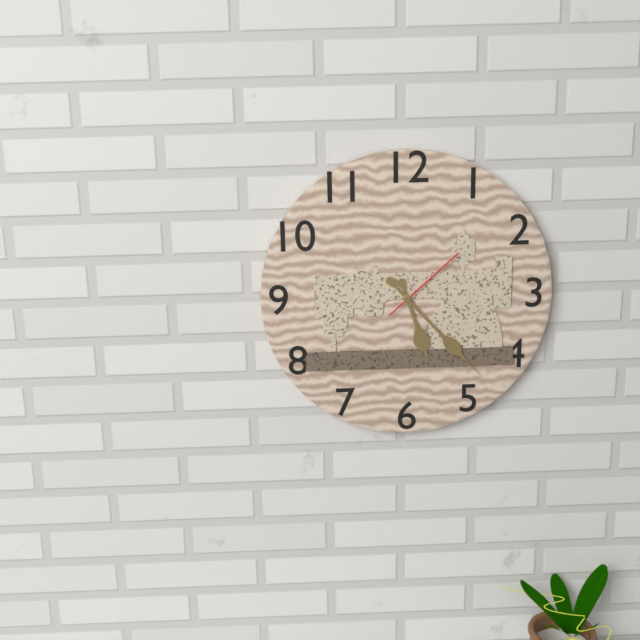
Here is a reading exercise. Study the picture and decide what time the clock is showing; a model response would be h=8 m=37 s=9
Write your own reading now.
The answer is h=5 m=23 s=8
